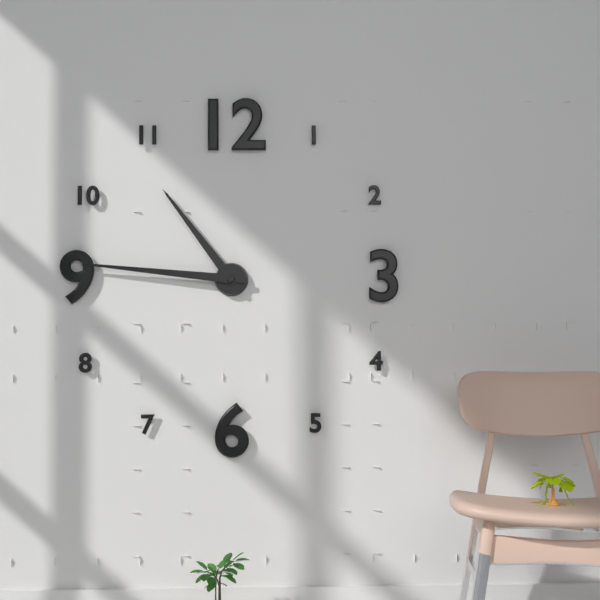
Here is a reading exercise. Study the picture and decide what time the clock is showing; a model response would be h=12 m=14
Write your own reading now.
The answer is h=10 m=46
